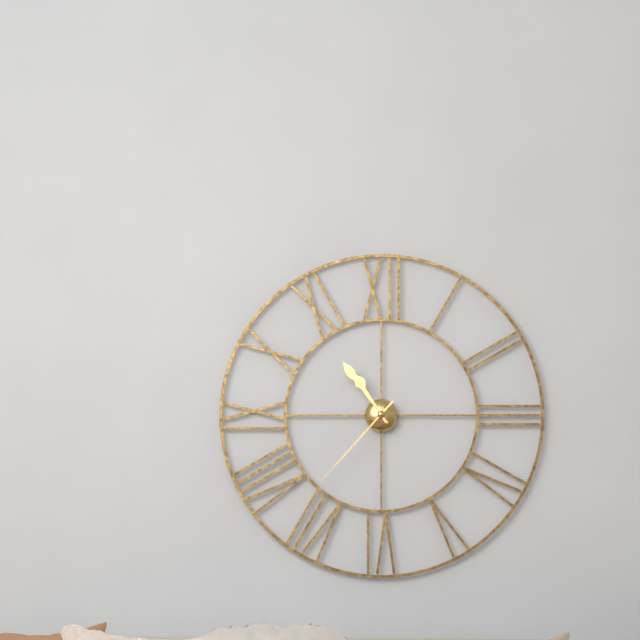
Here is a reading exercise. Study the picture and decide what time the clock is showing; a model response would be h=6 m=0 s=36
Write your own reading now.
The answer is h=10 m=54 s=37
